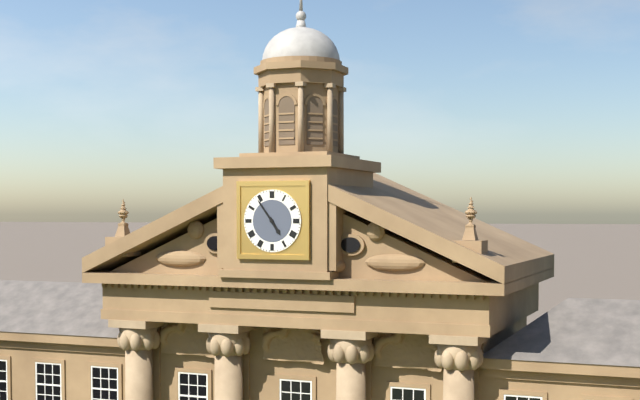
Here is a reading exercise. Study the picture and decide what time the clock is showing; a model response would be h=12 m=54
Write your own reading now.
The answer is h=4 m=54
